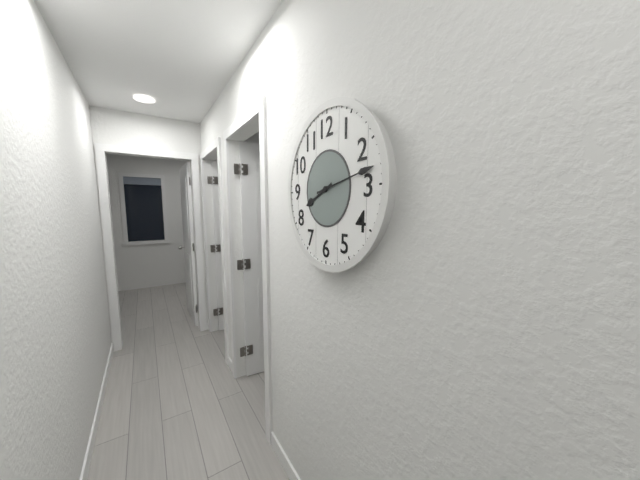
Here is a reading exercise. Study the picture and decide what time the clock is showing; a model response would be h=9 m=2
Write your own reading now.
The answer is h=8 m=13
